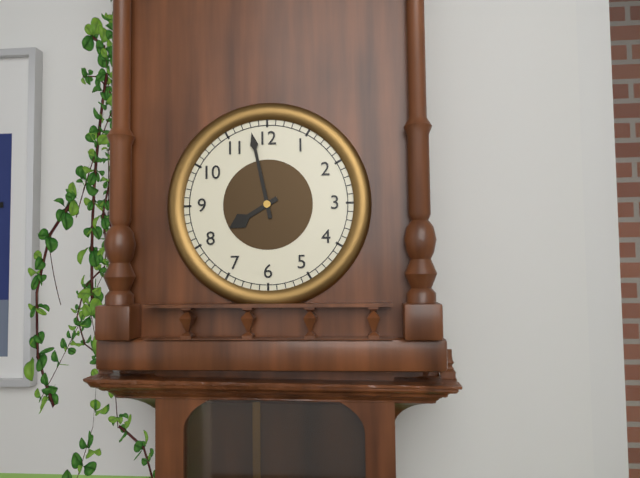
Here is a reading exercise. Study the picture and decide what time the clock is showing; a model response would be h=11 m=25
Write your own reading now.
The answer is h=7 m=58
